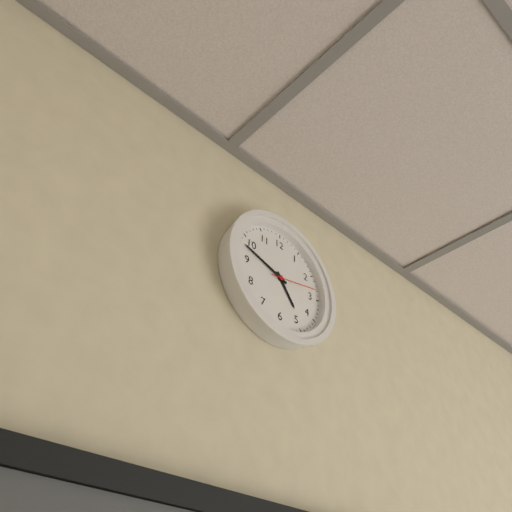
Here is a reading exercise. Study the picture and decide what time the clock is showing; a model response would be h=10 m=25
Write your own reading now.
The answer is h=4 m=48
